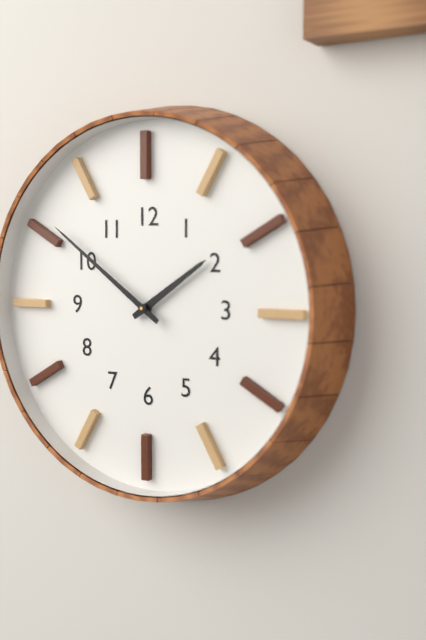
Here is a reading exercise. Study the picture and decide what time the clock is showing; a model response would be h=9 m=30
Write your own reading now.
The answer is h=1 m=51
